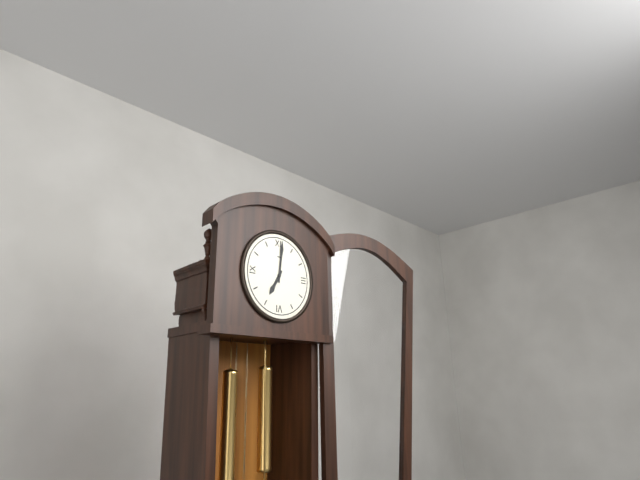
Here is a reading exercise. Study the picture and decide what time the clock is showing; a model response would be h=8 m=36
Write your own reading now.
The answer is h=7 m=1
